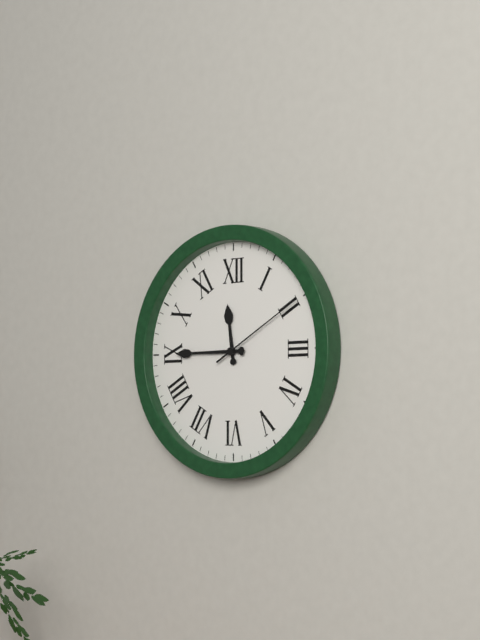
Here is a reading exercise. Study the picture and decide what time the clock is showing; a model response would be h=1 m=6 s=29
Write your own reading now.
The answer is h=11 m=45 s=10
